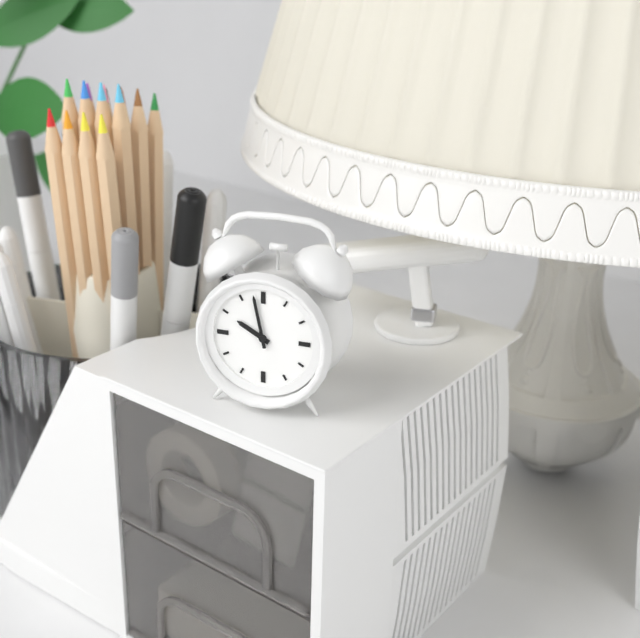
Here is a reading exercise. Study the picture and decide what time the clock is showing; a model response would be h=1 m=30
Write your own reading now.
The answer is h=9 m=58
